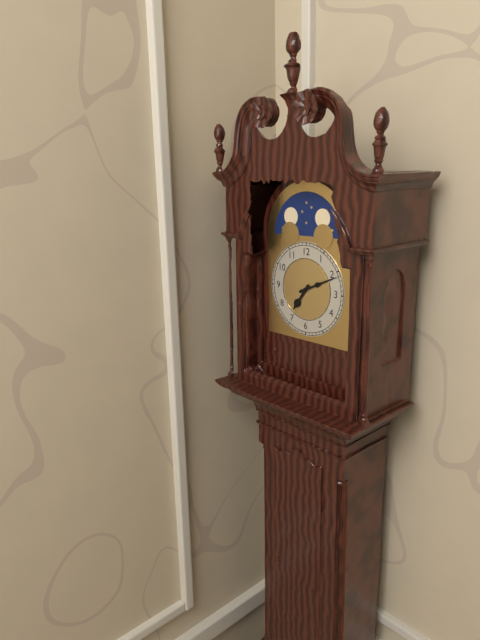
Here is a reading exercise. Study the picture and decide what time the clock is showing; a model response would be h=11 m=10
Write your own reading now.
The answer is h=7 m=11
